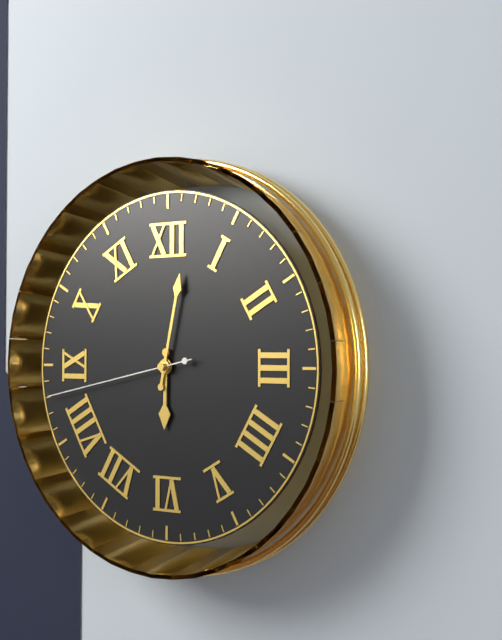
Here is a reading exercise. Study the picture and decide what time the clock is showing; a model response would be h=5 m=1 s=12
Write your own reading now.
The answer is h=6 m=2 s=43
